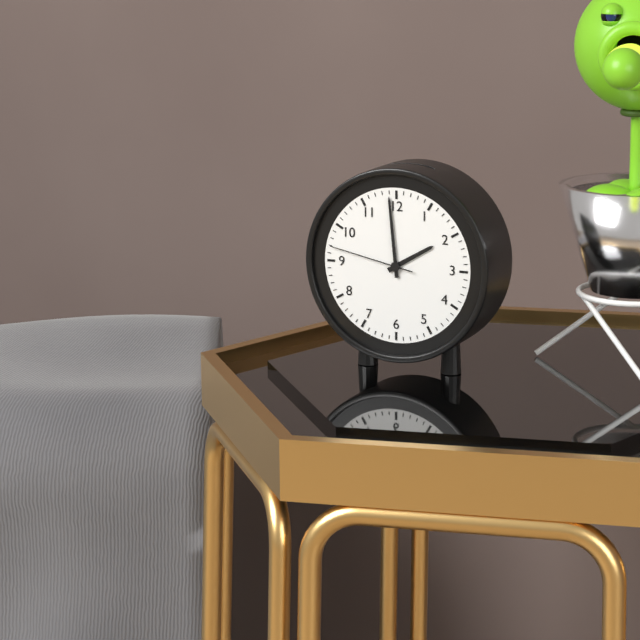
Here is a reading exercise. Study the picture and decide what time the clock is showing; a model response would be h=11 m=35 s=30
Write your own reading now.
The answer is h=1 m=59 s=47
